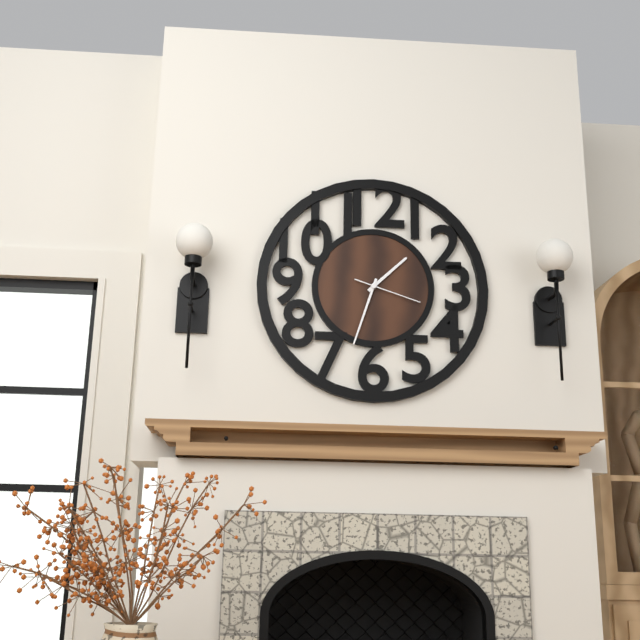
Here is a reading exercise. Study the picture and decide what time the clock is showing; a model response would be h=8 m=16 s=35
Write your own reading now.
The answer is h=1 m=33 s=18
